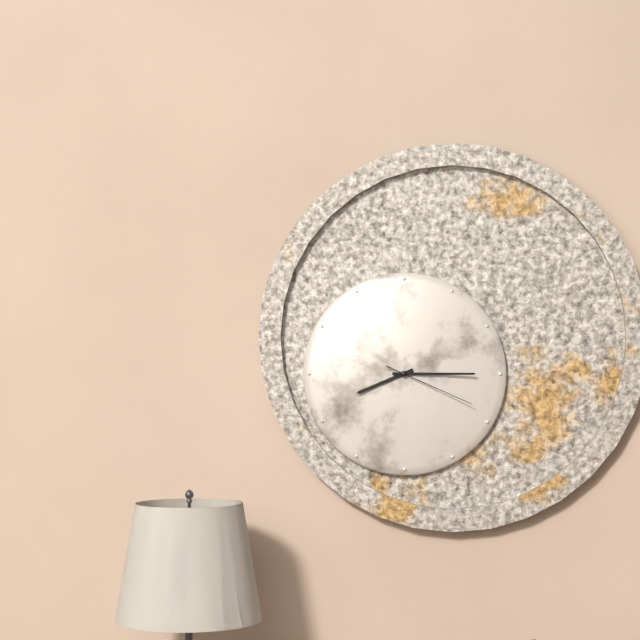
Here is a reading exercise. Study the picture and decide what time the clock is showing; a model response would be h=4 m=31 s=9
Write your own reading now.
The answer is h=8 m=15 s=19
